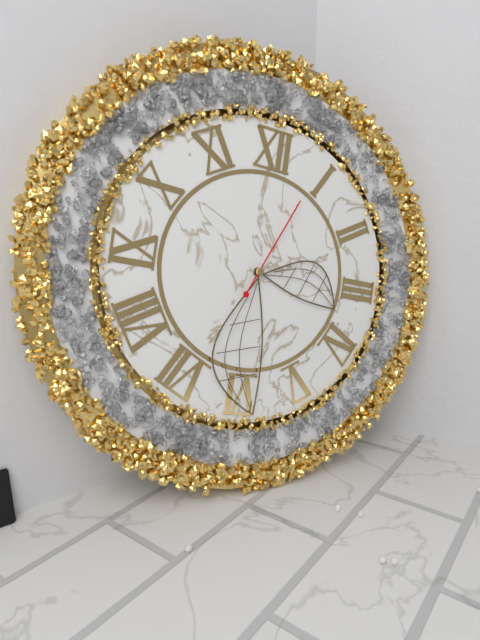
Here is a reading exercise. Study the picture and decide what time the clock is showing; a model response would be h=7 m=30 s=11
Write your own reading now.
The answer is h=3 m=29 s=4
